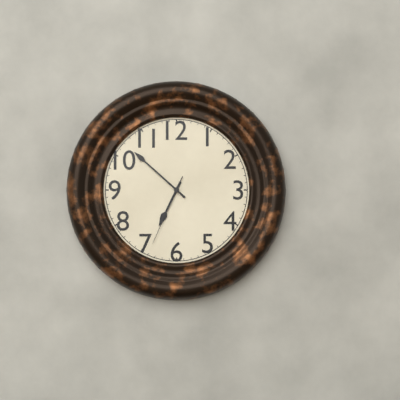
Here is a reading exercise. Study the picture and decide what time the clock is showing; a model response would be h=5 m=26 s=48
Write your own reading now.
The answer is h=6 m=52 s=34
